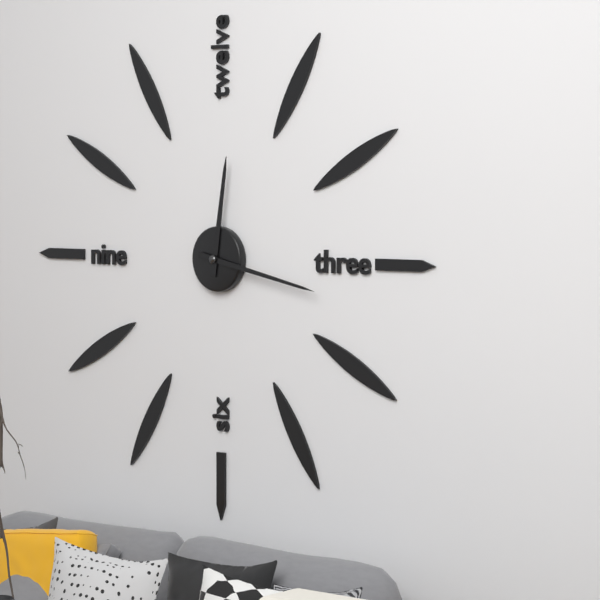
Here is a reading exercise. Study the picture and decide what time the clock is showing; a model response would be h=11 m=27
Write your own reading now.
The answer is h=12 m=17
